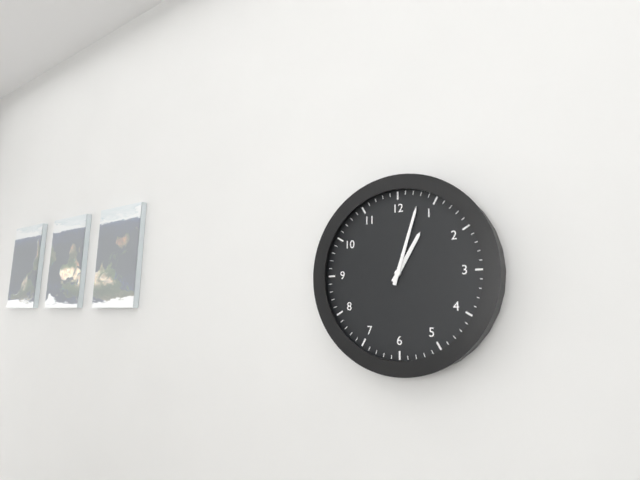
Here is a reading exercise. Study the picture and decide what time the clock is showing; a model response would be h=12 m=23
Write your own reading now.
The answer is h=1 m=3
